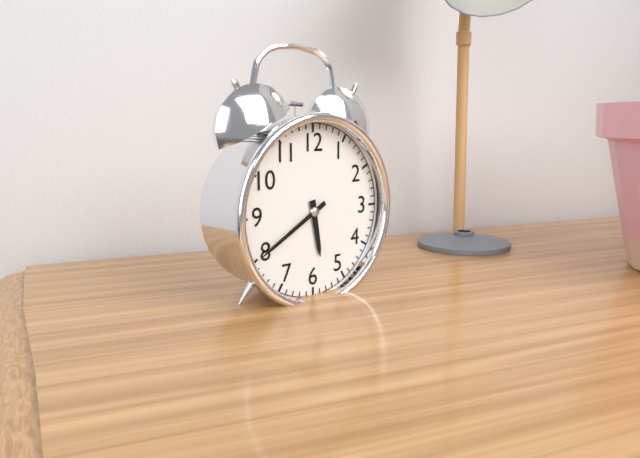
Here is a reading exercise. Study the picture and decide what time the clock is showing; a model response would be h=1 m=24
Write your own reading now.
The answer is h=5 m=40
